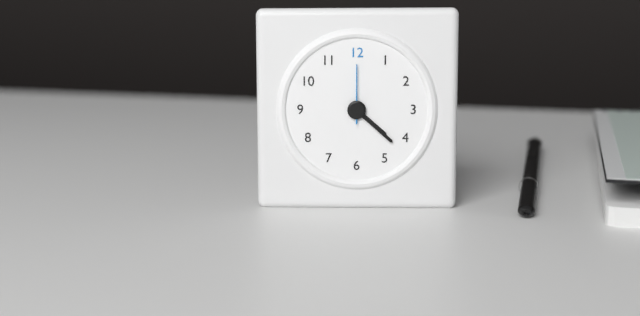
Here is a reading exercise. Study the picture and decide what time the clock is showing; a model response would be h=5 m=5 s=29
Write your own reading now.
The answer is h=4 m=22 s=0
